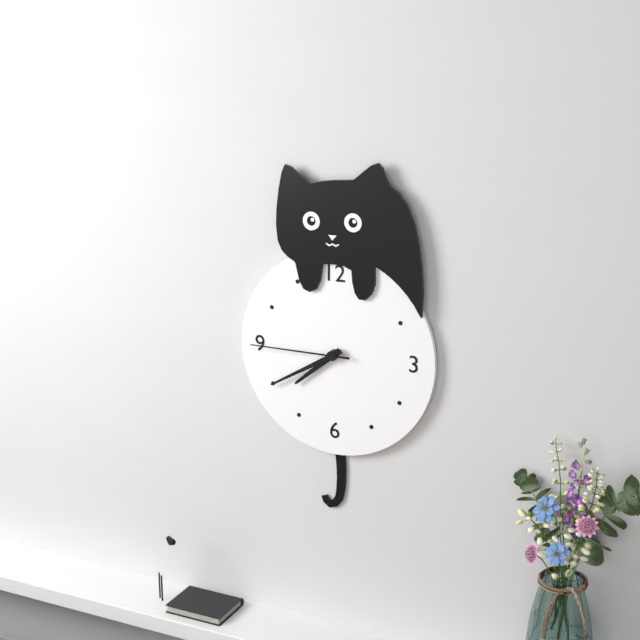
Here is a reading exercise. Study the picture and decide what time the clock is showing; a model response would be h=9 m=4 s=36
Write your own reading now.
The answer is h=7 m=40 s=45
